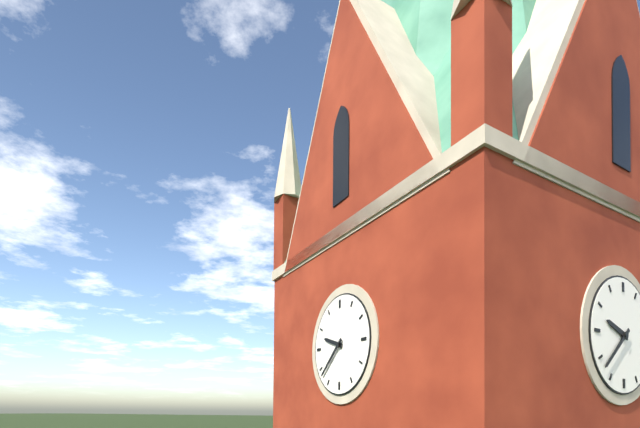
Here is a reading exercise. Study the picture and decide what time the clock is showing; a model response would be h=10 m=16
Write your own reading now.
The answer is h=9 m=38
